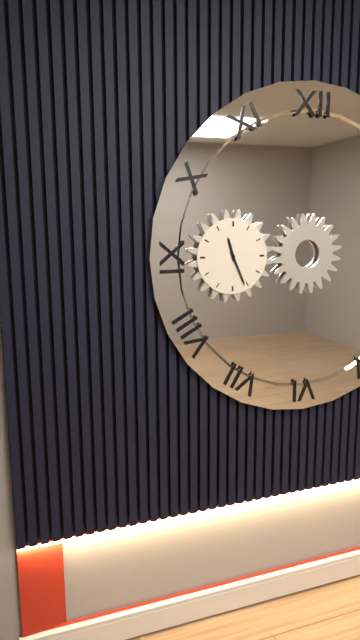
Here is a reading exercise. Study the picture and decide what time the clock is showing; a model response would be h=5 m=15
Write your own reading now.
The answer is h=11 m=26
